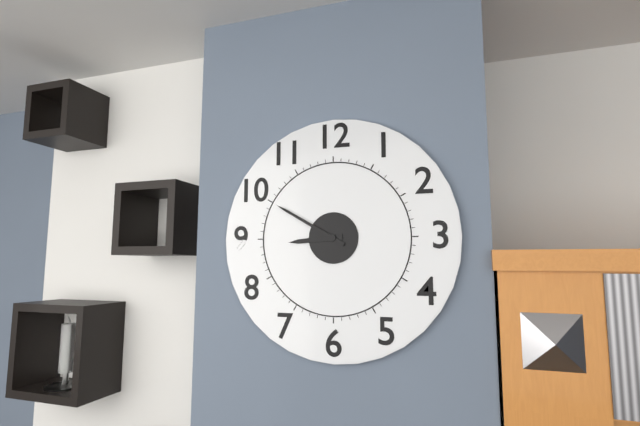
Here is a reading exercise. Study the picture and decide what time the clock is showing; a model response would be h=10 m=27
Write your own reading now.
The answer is h=8 m=50
